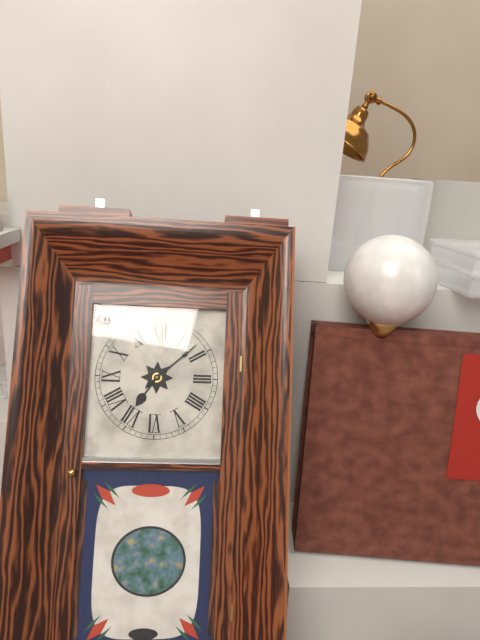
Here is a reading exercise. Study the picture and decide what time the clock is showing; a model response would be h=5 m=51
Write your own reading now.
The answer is h=7 m=8
